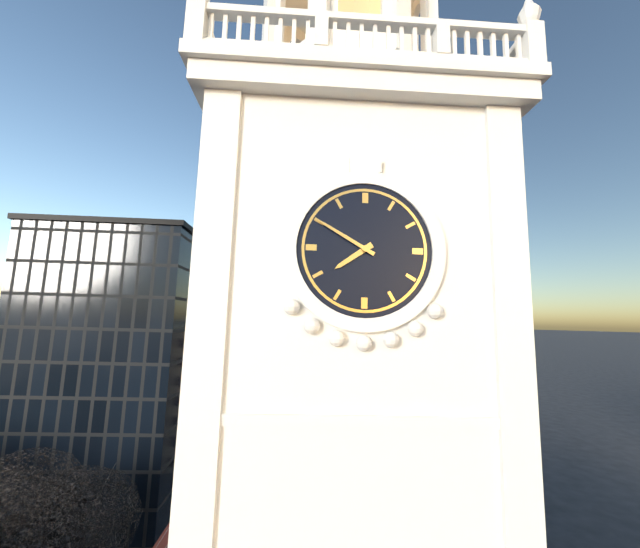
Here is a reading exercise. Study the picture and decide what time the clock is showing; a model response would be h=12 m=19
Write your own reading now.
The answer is h=7 m=50
